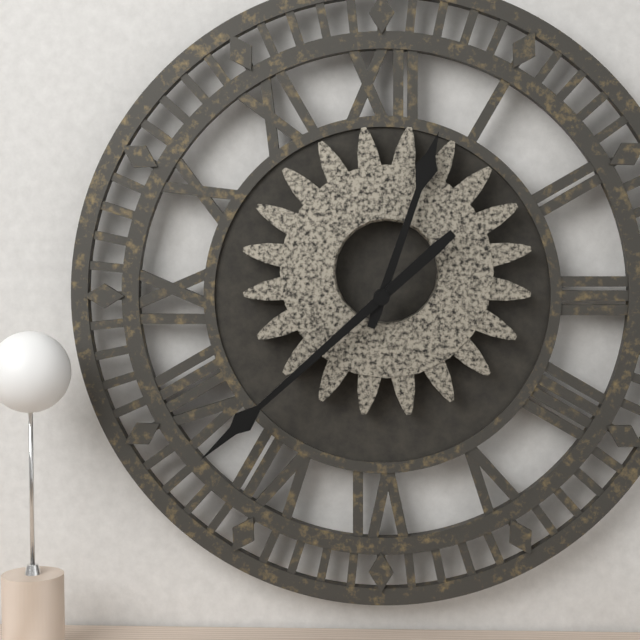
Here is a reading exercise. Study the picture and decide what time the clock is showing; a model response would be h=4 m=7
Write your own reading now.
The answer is h=12 m=38
